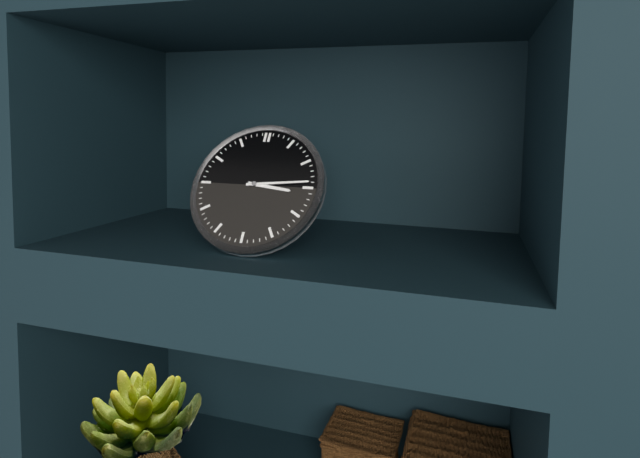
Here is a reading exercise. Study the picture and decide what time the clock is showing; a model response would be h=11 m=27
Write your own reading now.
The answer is h=3 m=14
